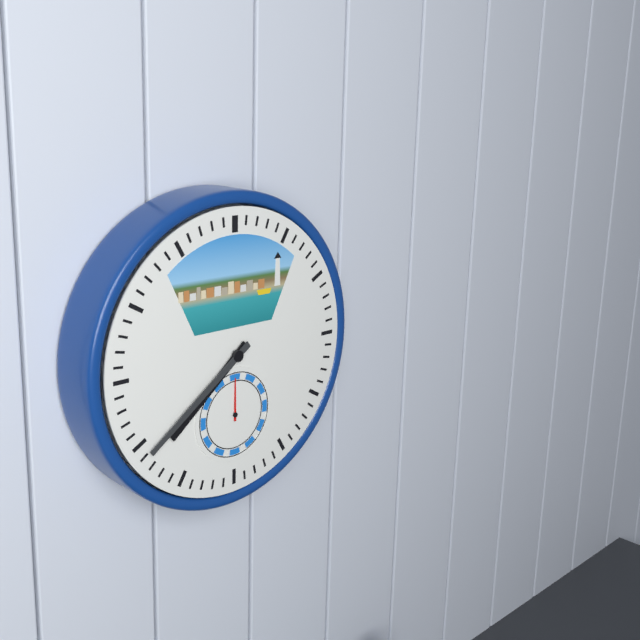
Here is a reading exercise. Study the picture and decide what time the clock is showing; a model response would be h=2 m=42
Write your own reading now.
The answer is h=7 m=39
